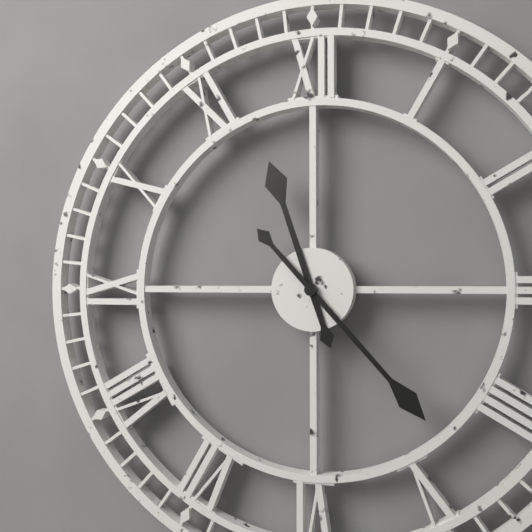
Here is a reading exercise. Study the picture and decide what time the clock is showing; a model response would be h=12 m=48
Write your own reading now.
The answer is h=11 m=23
